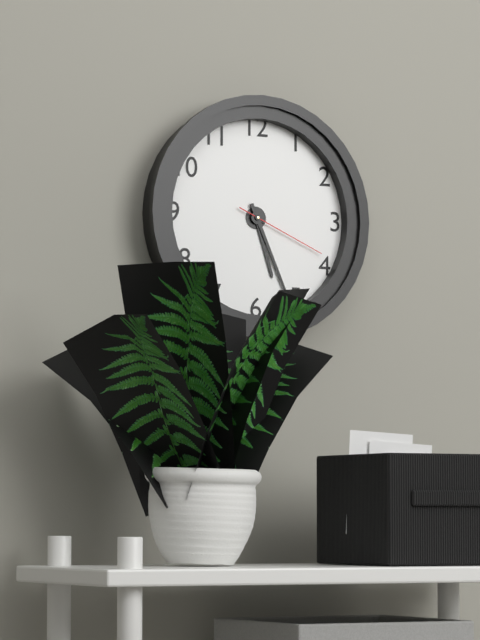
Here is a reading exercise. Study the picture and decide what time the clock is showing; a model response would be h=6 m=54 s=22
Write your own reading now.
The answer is h=5 m=26 s=19
